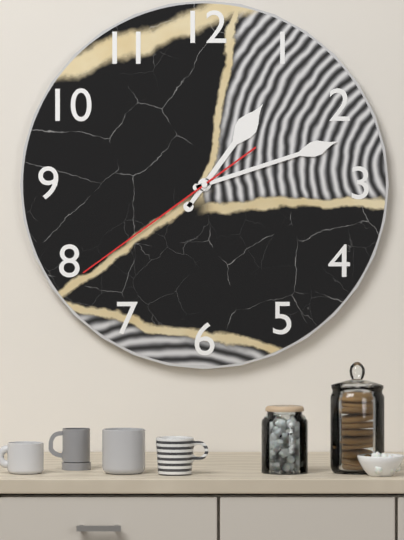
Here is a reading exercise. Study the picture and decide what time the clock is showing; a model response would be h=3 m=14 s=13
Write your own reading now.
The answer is h=1 m=12 s=39
